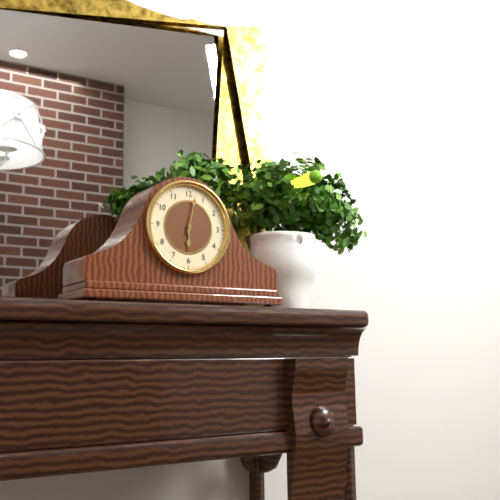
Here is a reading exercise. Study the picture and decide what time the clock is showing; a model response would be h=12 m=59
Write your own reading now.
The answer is h=6 m=2
